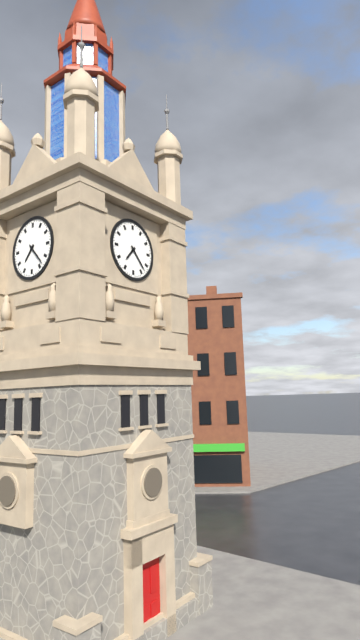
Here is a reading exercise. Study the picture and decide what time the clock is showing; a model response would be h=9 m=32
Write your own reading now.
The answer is h=7 m=23
